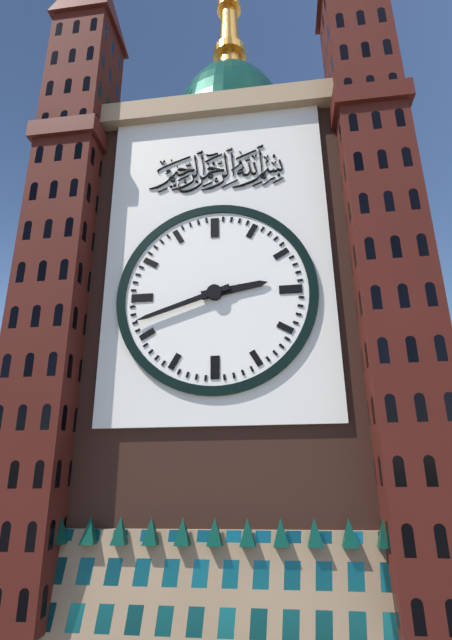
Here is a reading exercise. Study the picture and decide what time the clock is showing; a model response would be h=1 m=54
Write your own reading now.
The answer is h=2 m=42
